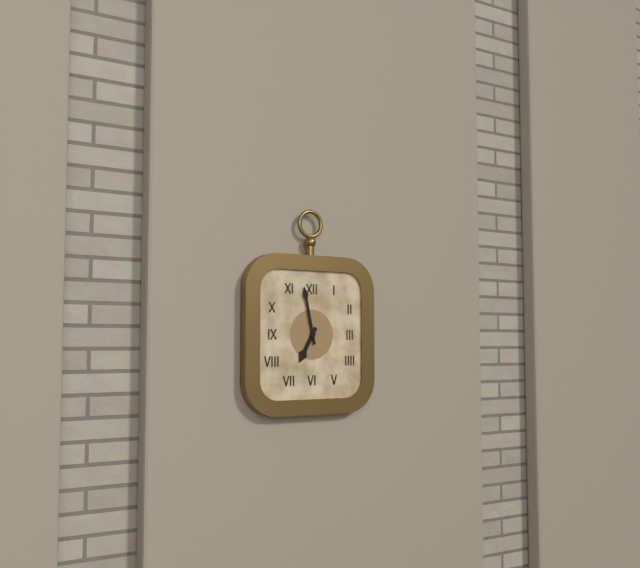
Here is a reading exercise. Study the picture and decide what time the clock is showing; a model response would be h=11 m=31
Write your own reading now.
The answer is h=6 m=58
